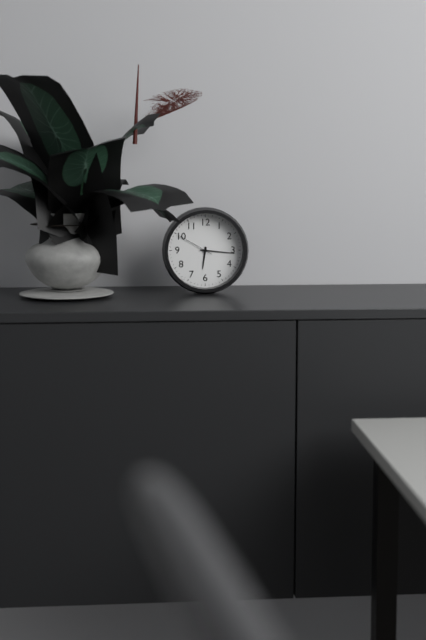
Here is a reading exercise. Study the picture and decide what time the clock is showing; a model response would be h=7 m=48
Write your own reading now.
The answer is h=6 m=16
